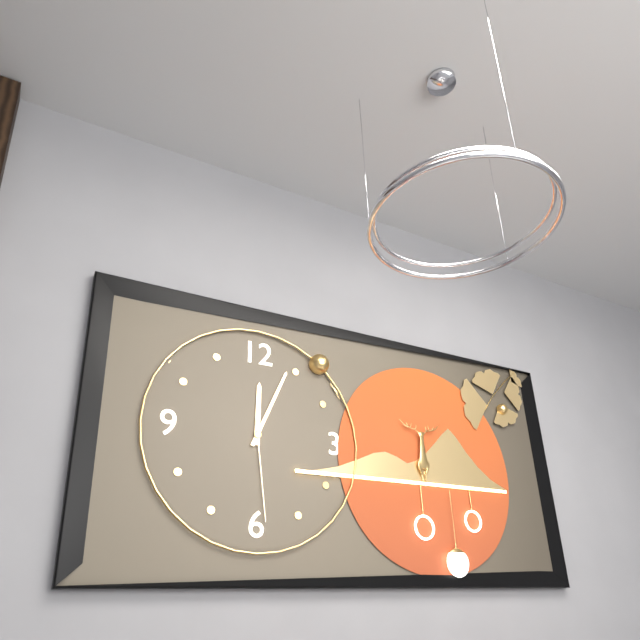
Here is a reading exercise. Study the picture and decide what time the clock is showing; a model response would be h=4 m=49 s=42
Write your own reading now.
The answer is h=12 m=4 s=29
